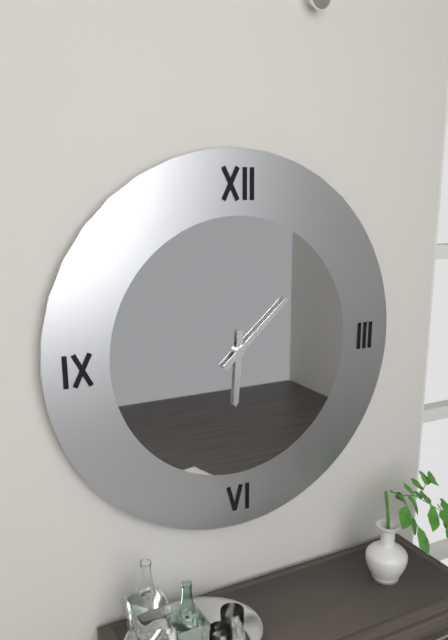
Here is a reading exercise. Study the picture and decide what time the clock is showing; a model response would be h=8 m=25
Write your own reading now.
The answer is h=6 m=8
